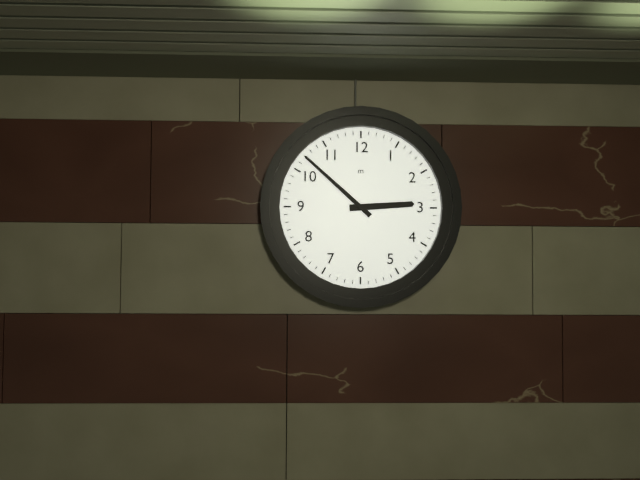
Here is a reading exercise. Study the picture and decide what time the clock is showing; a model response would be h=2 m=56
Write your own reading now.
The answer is h=2 m=52
